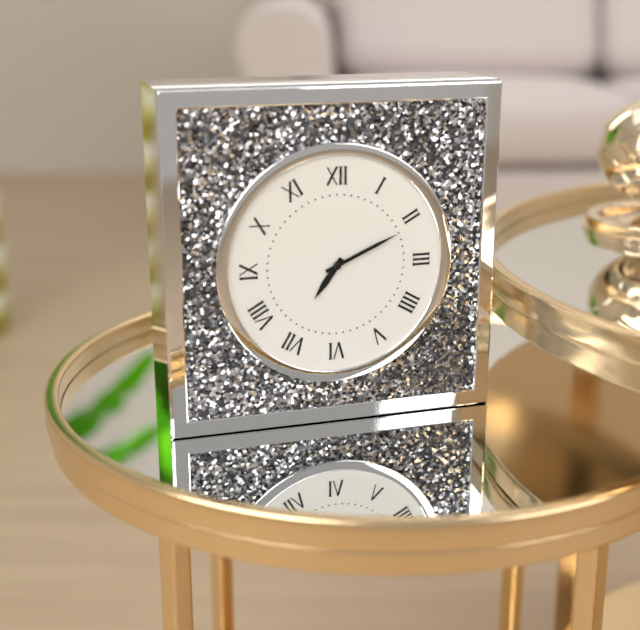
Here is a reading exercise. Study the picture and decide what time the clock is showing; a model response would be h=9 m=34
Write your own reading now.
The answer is h=7 m=11
